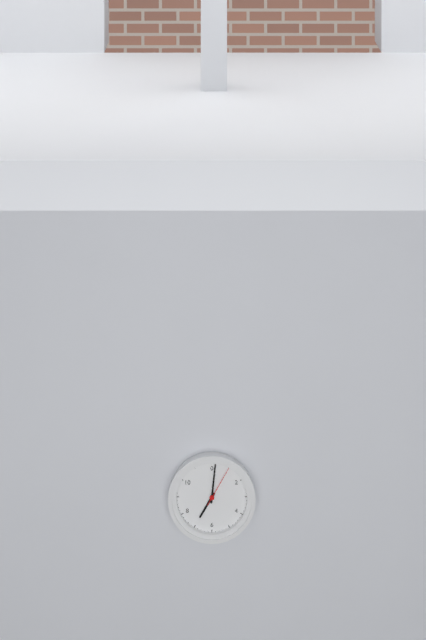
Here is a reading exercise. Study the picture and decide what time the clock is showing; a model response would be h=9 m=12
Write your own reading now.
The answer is h=7 m=1
